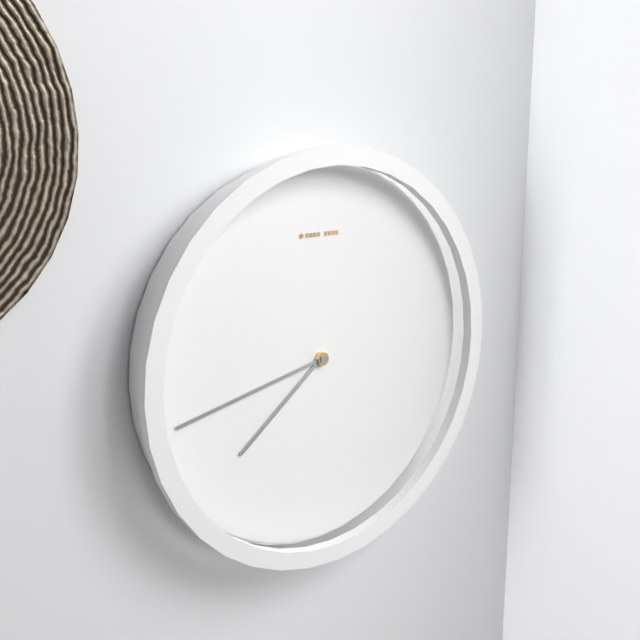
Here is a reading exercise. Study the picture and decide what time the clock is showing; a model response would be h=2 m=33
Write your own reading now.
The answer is h=7 m=43
